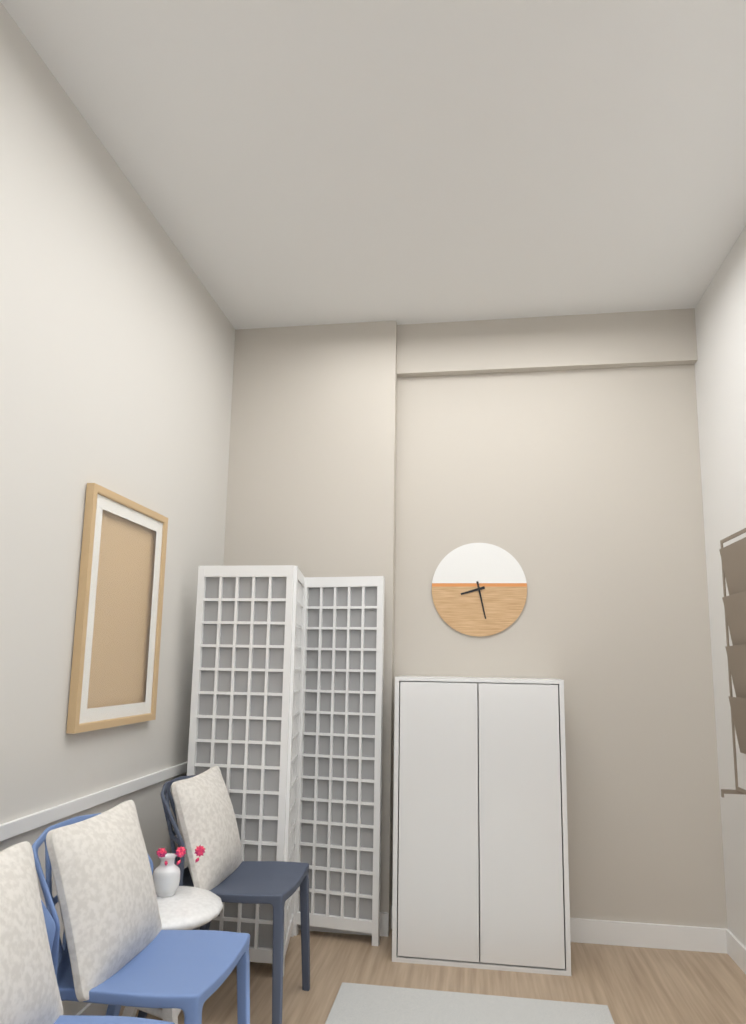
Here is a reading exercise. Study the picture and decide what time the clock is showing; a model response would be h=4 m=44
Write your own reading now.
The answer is h=8 m=28
